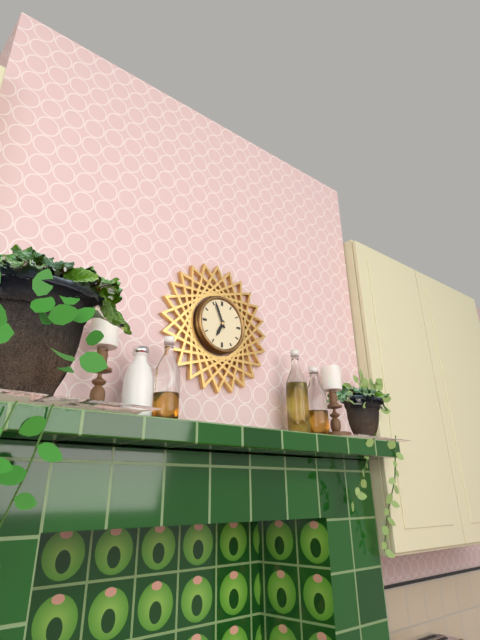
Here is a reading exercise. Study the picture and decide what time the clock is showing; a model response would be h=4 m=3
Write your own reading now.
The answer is h=6 m=56
